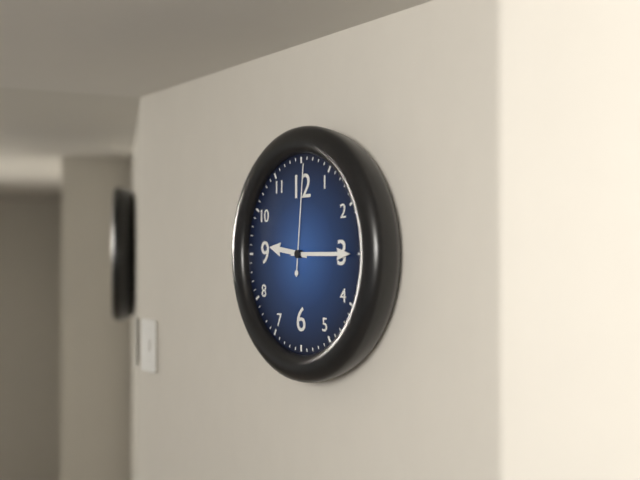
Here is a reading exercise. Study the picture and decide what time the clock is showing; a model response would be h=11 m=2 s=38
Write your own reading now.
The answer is h=9 m=15 s=1
